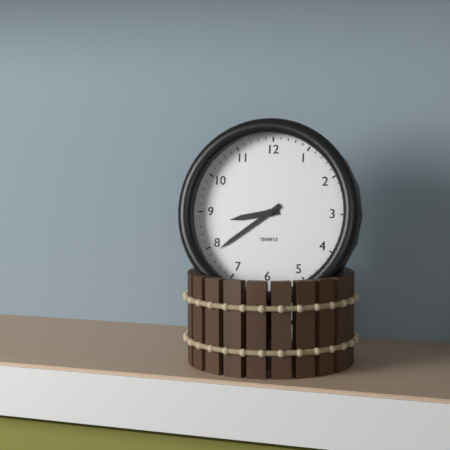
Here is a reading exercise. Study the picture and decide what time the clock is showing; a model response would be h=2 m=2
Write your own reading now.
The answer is h=8 m=39
